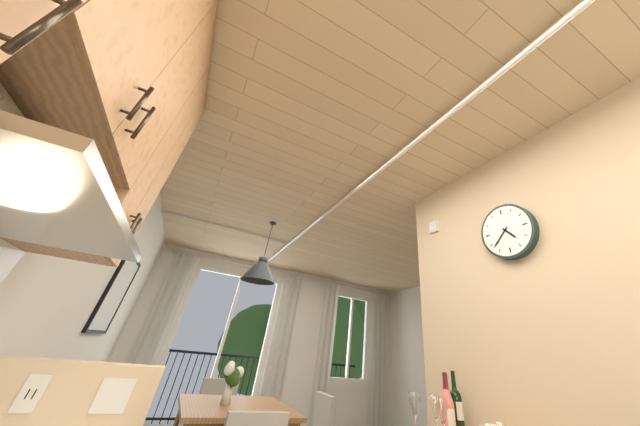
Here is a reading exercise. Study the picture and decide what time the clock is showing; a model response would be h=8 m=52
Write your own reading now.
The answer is h=4 m=38
